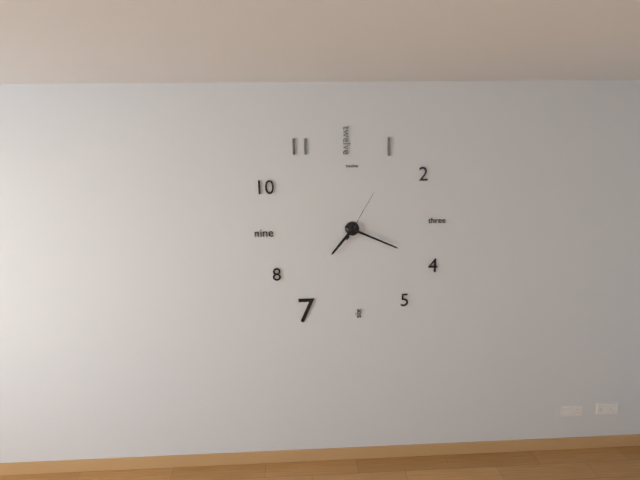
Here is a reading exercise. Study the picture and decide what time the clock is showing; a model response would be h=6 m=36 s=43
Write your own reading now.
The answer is h=7 m=19 s=5
